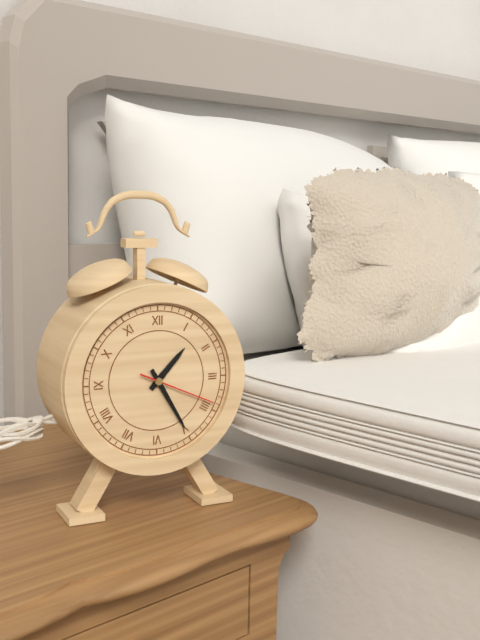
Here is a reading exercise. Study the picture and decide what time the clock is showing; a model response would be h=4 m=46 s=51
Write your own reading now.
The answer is h=1 m=25 s=19
